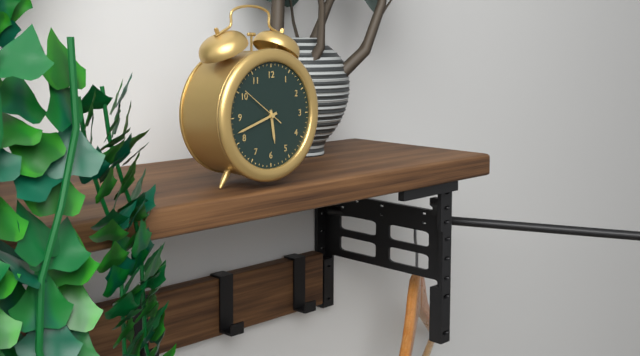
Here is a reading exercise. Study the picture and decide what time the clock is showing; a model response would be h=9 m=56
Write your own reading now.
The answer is h=5 m=42
